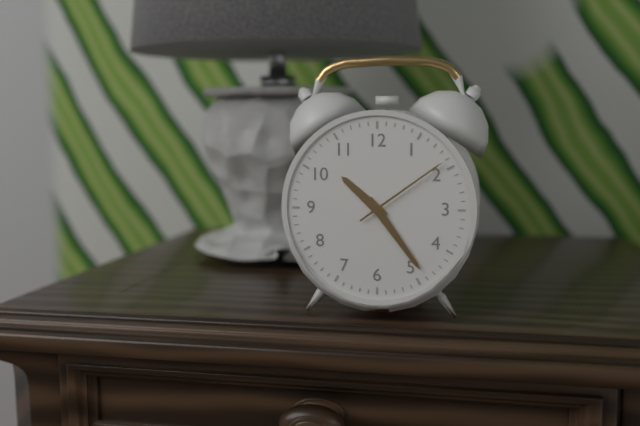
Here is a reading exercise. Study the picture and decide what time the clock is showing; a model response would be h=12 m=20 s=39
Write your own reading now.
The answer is h=10 m=24 s=9
